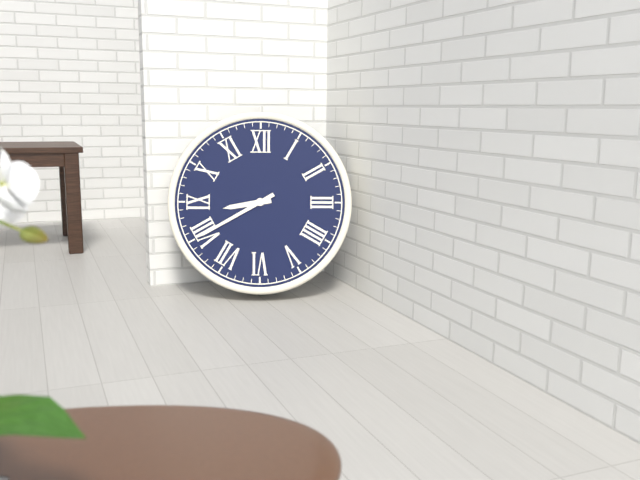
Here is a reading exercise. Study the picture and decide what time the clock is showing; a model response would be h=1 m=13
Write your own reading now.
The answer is h=8 m=40
